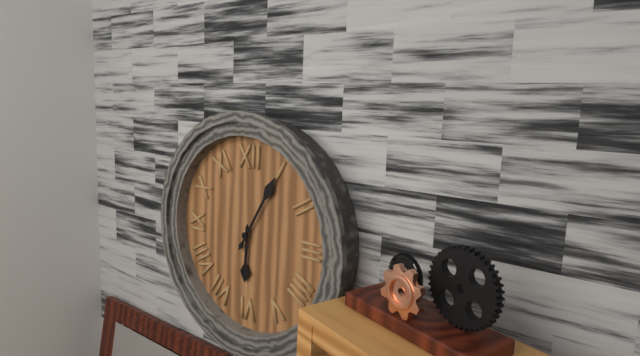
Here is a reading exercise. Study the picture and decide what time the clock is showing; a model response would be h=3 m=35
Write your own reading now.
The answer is h=6 m=5
